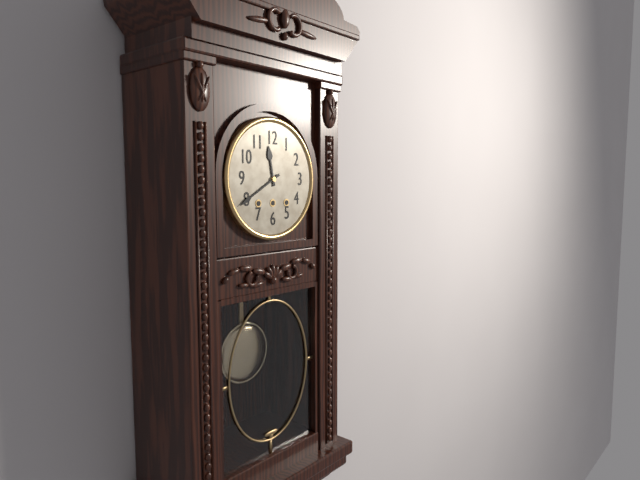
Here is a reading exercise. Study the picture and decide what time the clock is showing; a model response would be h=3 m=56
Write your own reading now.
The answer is h=11 m=40
